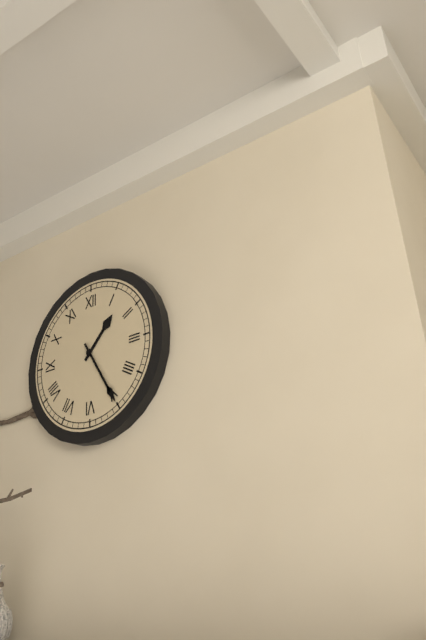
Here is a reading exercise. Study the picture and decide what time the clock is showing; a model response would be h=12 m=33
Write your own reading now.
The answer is h=1 m=25
